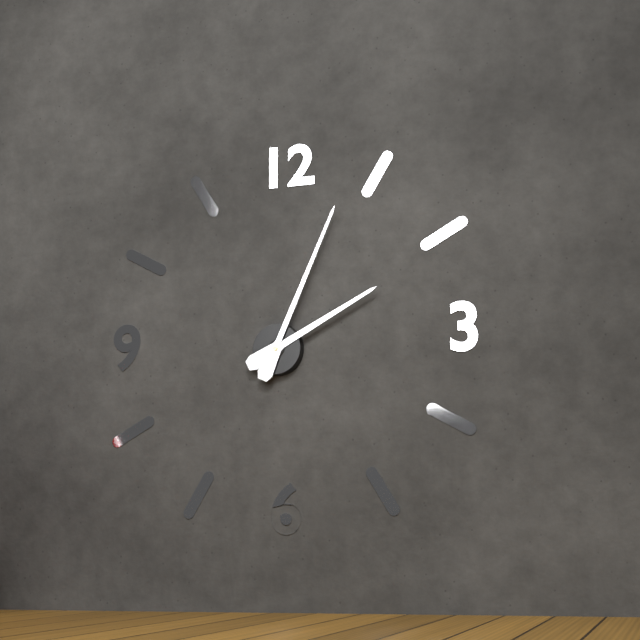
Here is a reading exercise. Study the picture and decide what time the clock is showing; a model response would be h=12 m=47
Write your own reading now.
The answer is h=2 m=4
